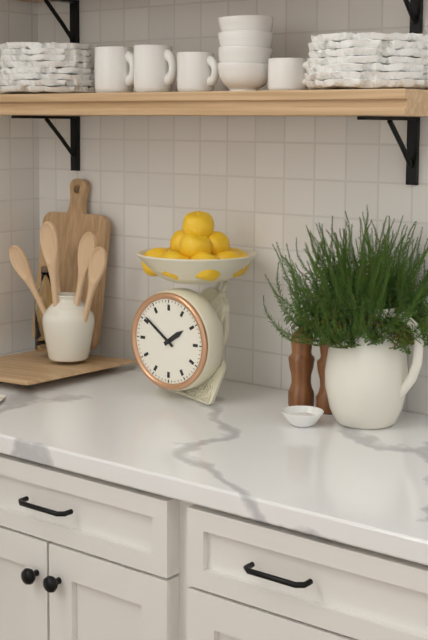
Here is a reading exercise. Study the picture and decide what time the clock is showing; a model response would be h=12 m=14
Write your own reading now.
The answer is h=1 m=51
